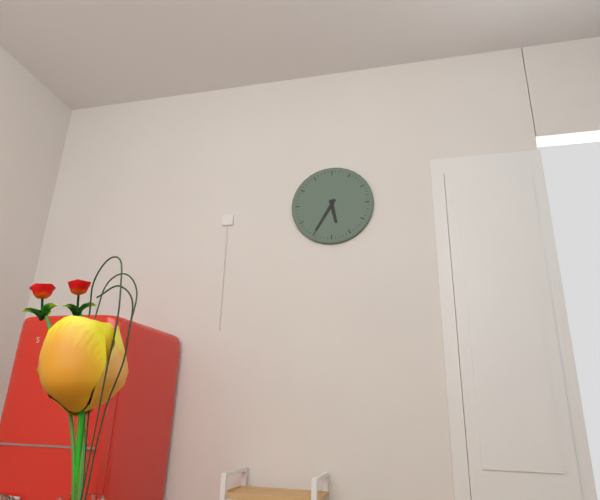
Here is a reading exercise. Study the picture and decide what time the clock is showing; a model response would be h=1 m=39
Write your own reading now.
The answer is h=5 m=35
